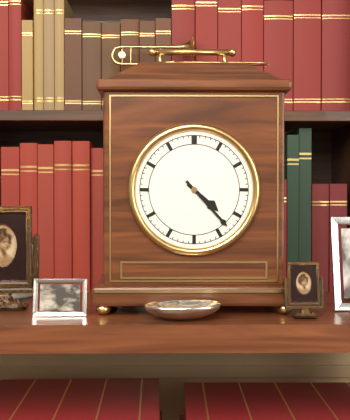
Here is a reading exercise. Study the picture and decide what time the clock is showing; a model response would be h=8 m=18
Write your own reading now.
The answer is h=4 m=23
